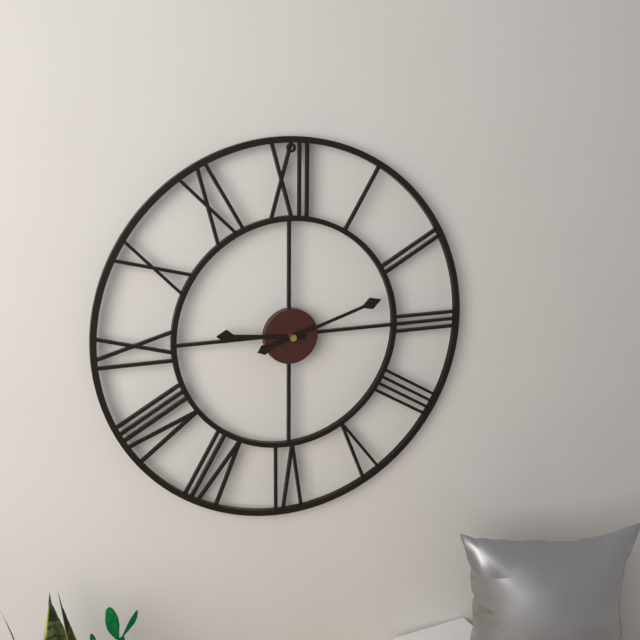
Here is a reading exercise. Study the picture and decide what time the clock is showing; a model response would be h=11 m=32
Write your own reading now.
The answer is h=9 m=12
